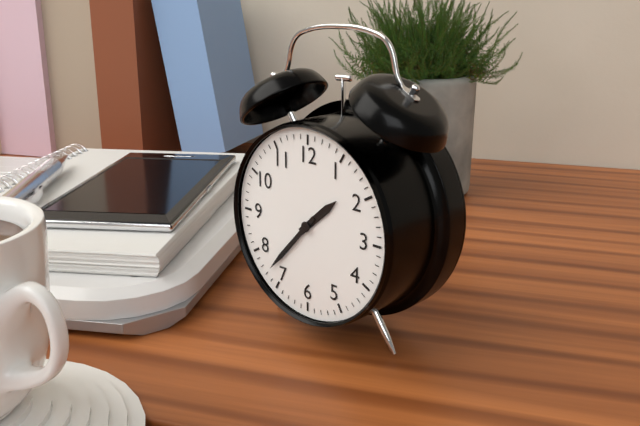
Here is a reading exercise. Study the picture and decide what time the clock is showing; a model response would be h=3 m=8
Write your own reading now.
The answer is h=1 m=37
